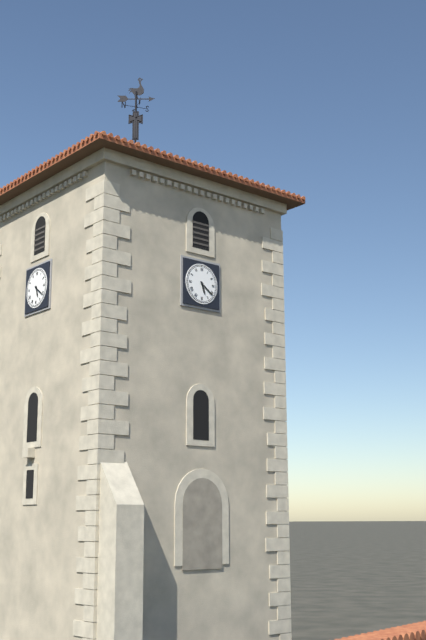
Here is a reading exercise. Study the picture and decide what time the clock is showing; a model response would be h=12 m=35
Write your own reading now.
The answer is h=5 m=21
